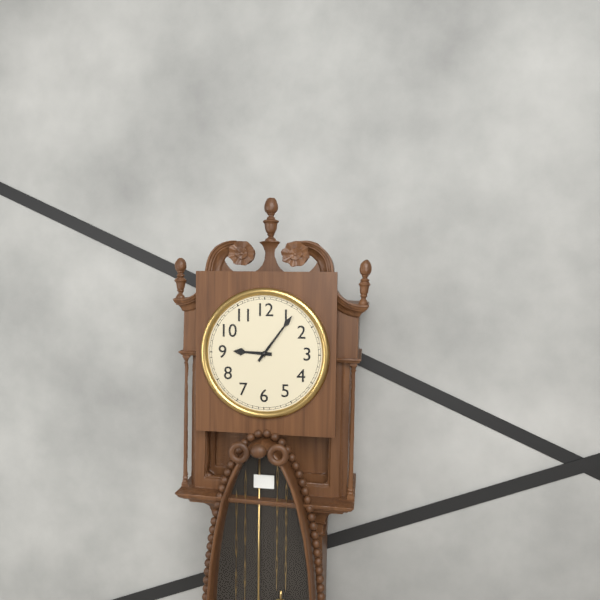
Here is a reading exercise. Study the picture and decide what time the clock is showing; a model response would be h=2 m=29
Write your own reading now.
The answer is h=9 m=6
